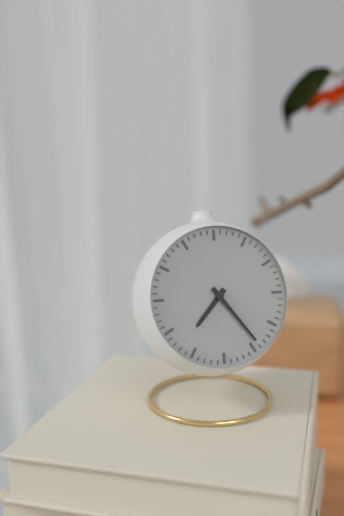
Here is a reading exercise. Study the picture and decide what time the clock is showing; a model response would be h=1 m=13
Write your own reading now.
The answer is h=7 m=24
